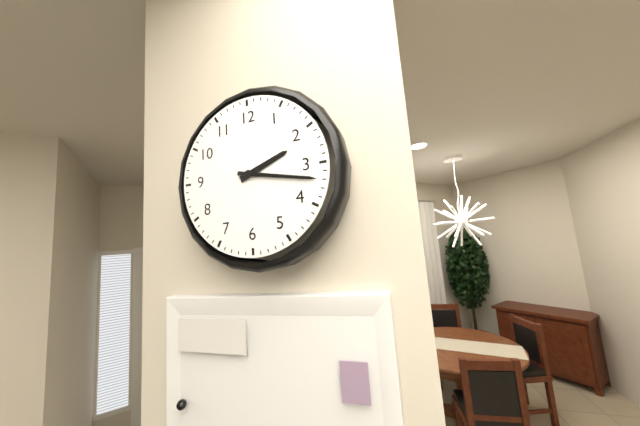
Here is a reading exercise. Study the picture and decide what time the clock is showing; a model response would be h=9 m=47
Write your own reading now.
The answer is h=2 m=17
